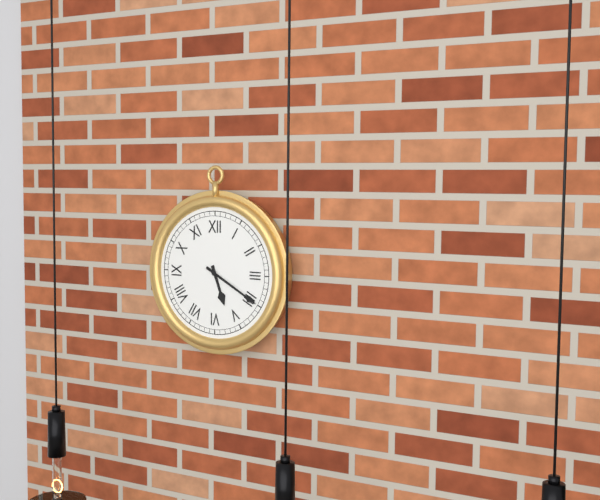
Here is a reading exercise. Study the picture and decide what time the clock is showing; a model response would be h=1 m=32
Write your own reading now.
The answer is h=5 m=20
